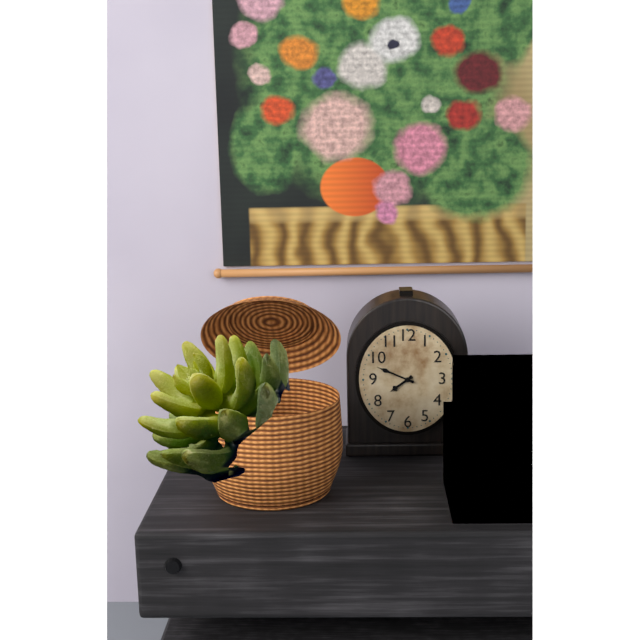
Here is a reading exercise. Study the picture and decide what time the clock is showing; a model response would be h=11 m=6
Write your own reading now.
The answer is h=7 m=49
